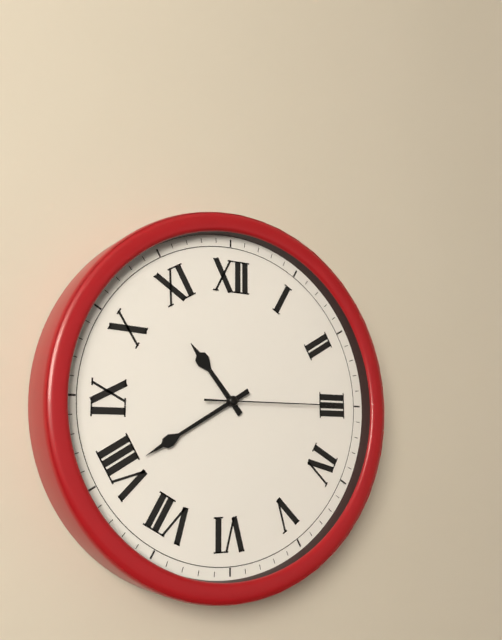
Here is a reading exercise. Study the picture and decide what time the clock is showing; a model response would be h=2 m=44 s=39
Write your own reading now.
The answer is h=10 m=40 s=15
